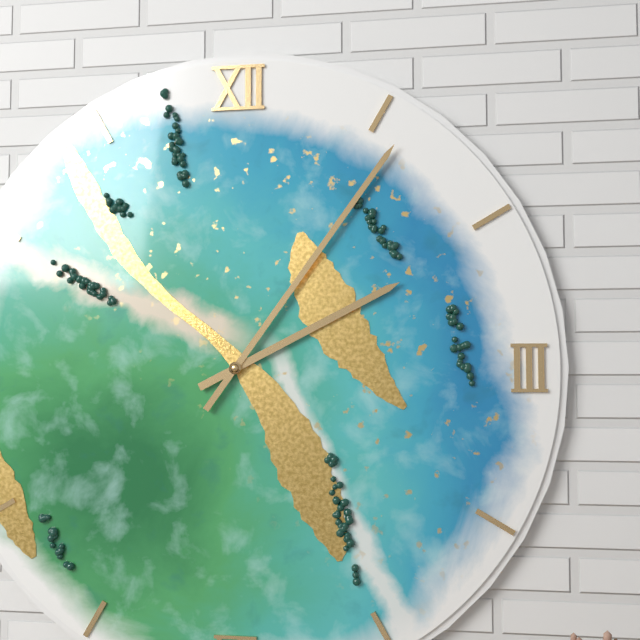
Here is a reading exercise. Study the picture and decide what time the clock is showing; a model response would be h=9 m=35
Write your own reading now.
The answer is h=2 m=6
